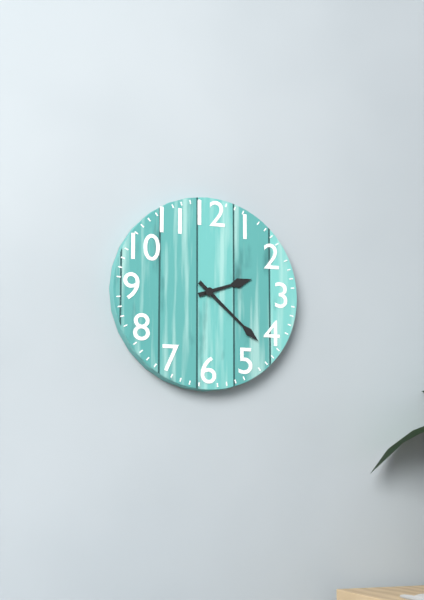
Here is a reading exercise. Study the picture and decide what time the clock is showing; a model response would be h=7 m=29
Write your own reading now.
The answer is h=2 m=22
